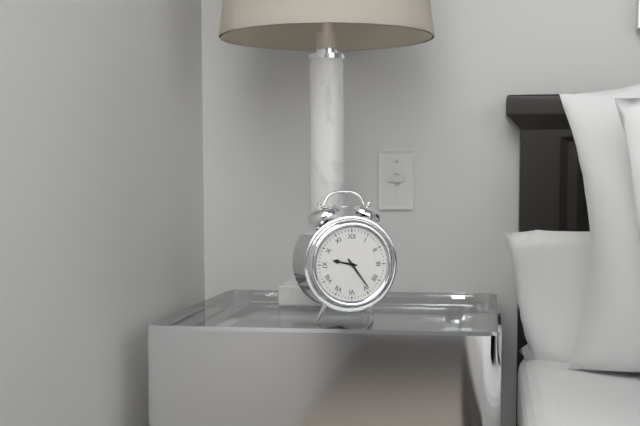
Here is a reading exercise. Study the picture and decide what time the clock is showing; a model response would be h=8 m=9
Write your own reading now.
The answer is h=9 m=24
